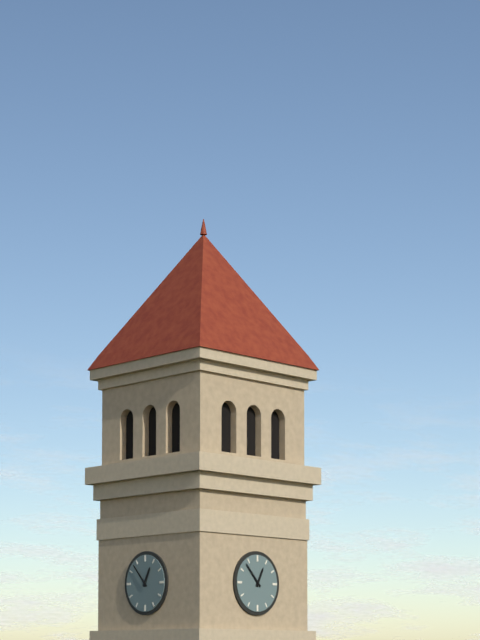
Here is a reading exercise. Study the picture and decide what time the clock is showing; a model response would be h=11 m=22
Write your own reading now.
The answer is h=12 m=53
